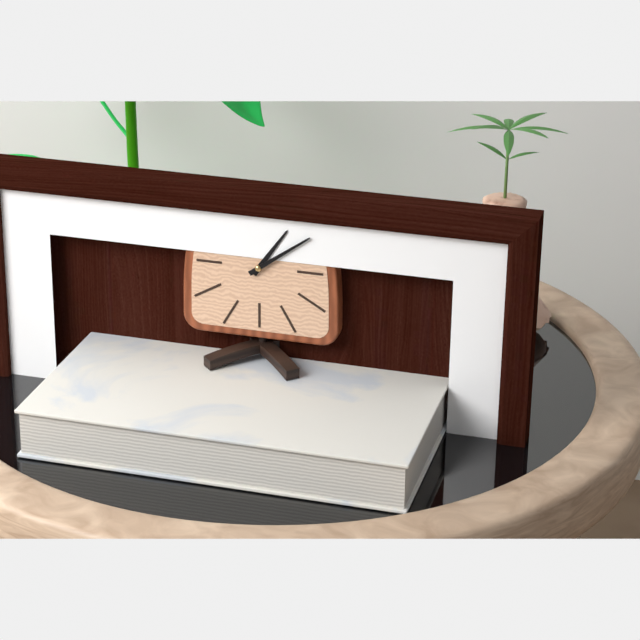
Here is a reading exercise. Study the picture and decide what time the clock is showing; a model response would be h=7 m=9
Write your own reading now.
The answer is h=1 m=9
